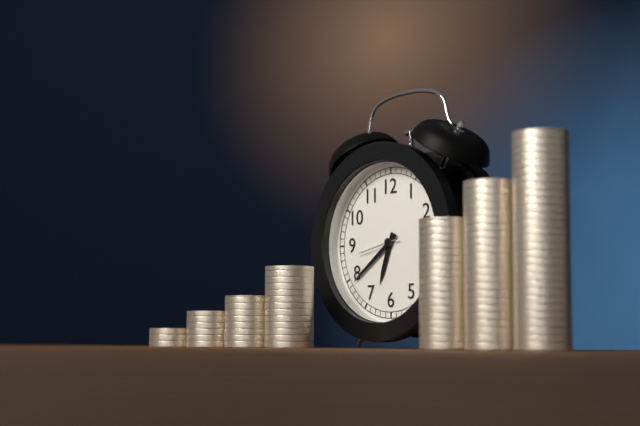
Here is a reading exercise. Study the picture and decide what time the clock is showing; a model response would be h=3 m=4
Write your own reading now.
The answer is h=6 m=39
